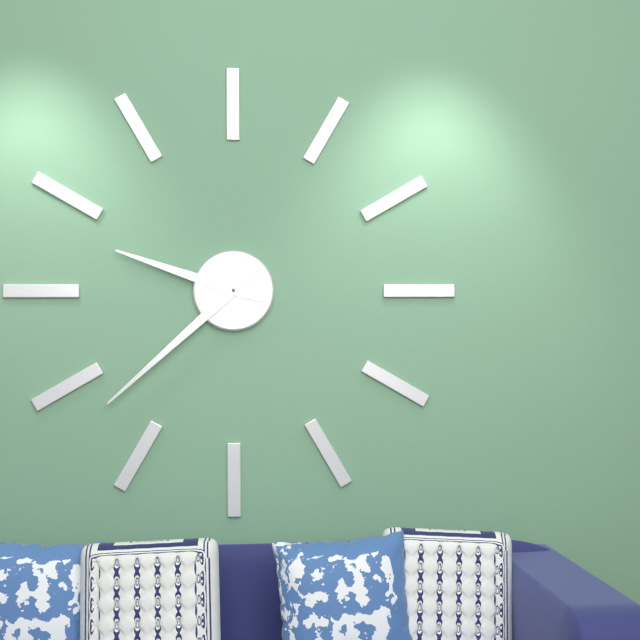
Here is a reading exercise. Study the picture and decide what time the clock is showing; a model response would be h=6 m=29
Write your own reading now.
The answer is h=9 m=38
